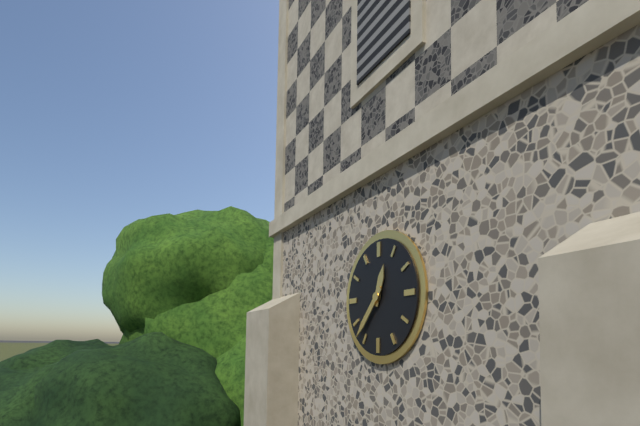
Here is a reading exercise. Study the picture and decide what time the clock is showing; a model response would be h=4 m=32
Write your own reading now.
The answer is h=12 m=37
